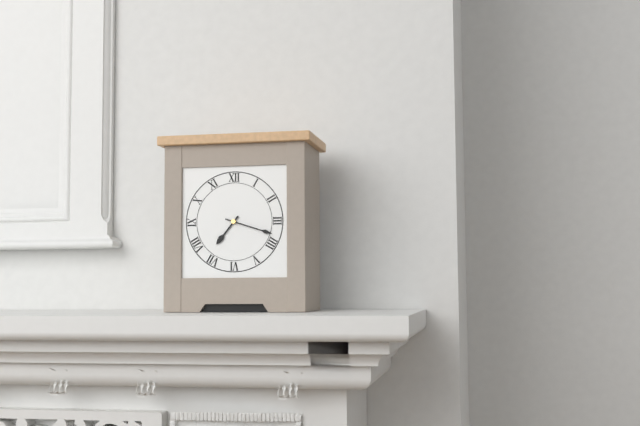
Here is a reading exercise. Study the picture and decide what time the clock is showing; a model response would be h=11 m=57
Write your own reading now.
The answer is h=7 m=18
